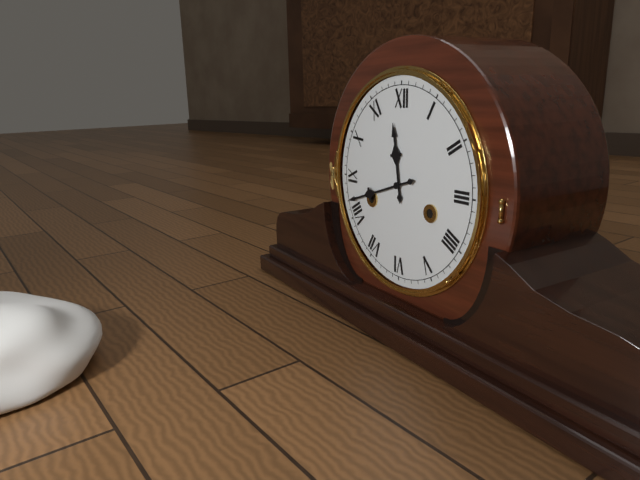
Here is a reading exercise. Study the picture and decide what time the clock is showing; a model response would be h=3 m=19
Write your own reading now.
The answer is h=11 m=42
